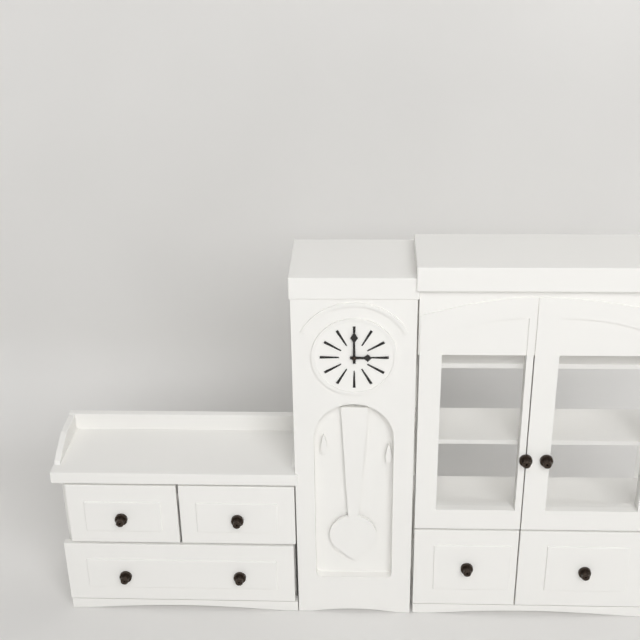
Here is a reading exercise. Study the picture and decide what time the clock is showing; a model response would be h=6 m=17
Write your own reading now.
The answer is h=3 m=0
